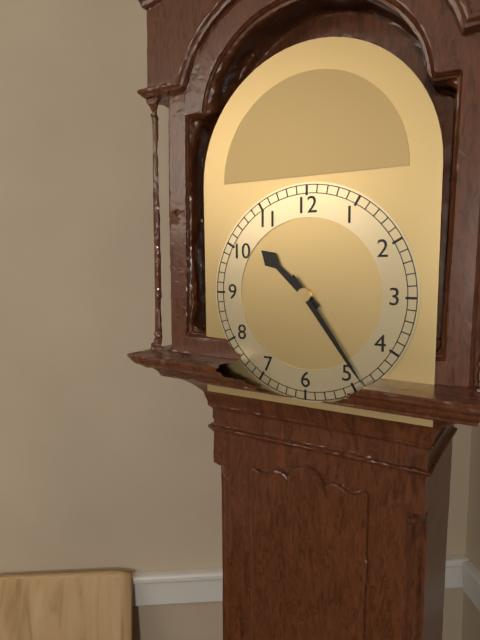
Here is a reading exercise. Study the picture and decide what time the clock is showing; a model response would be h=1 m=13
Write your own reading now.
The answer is h=10 m=24
